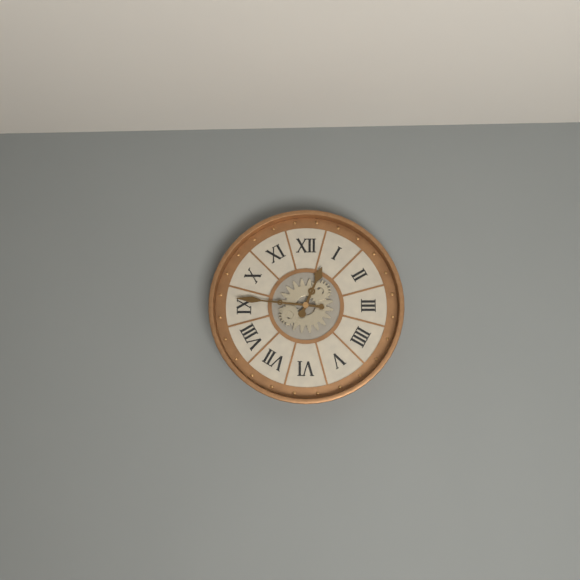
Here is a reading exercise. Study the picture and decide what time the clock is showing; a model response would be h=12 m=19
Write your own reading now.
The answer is h=12 m=46
